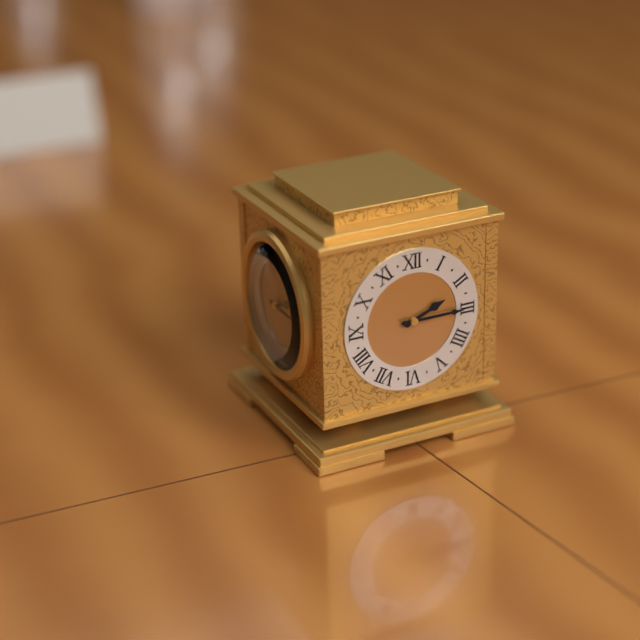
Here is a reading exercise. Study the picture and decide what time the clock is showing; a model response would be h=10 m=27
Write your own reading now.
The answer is h=2 m=15
